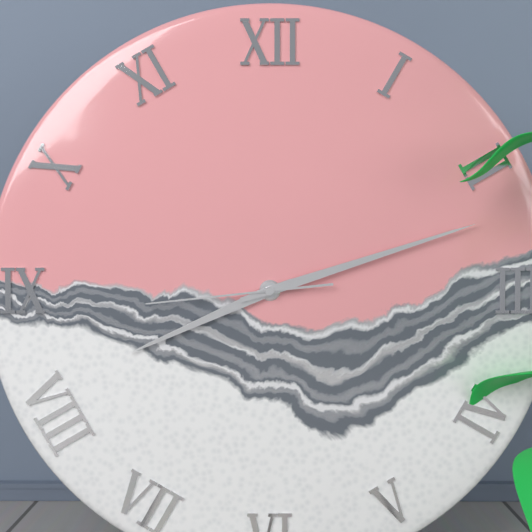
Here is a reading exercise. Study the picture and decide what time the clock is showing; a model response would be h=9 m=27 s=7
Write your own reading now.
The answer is h=8 m=12 s=44
